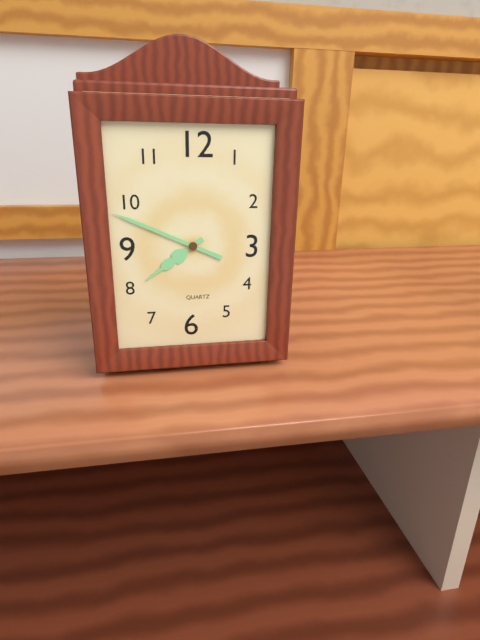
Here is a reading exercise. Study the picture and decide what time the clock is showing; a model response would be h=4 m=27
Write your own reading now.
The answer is h=7 m=49
